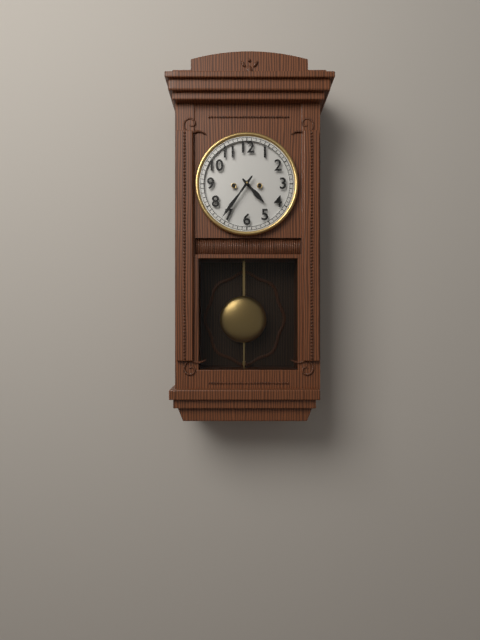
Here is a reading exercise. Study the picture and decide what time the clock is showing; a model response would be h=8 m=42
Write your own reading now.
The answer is h=4 m=36
